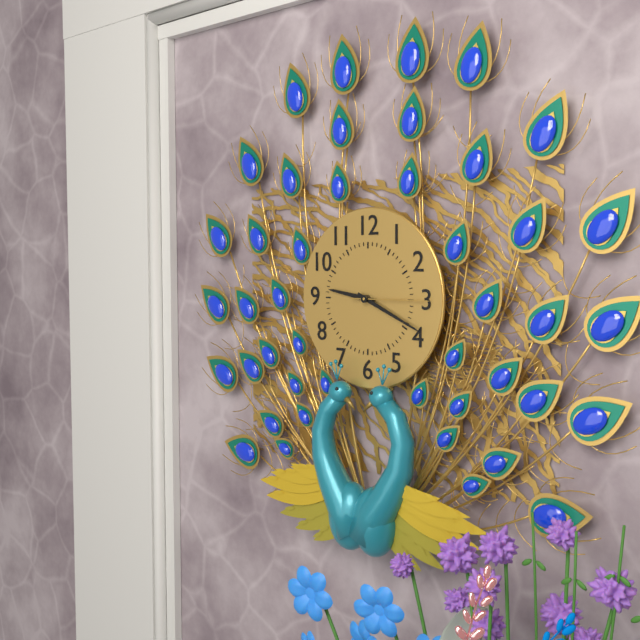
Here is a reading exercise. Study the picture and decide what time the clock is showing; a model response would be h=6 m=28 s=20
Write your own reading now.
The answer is h=9 m=19 s=15
